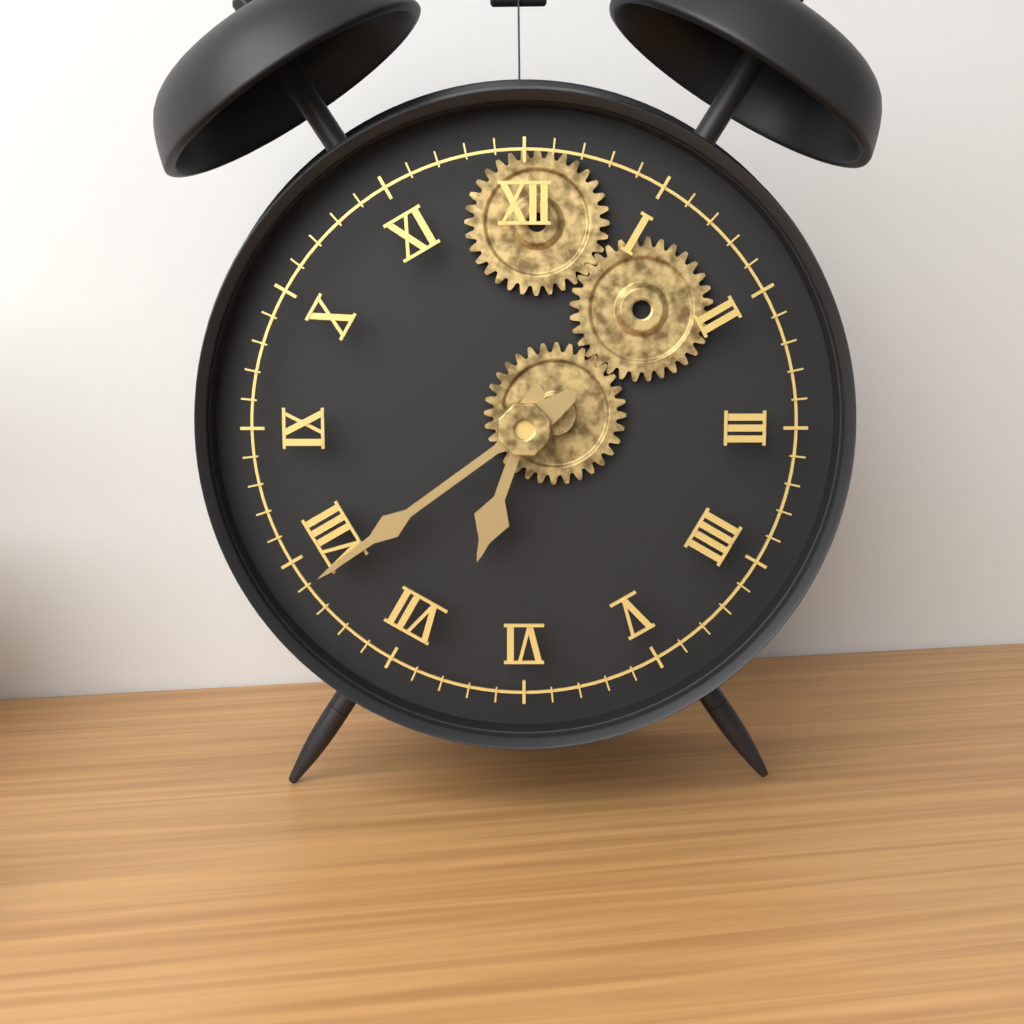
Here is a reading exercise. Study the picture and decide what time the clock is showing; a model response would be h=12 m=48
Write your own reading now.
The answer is h=6 m=39
